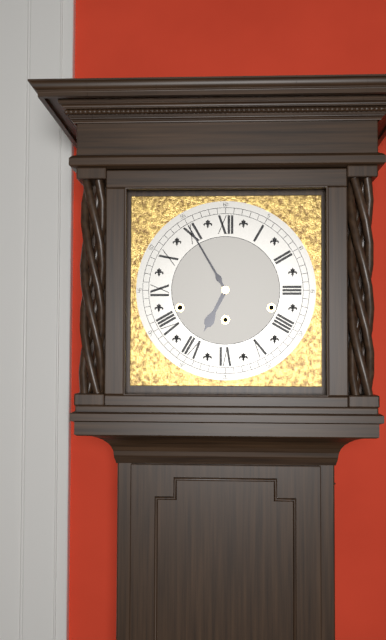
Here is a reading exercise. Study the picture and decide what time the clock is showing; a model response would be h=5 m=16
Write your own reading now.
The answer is h=6 m=55
